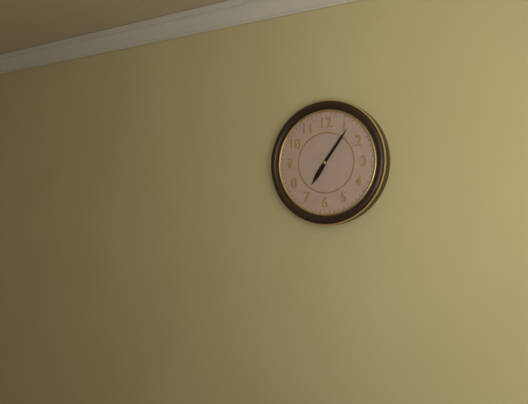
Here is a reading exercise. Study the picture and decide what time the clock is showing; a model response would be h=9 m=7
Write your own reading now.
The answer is h=7 m=6
